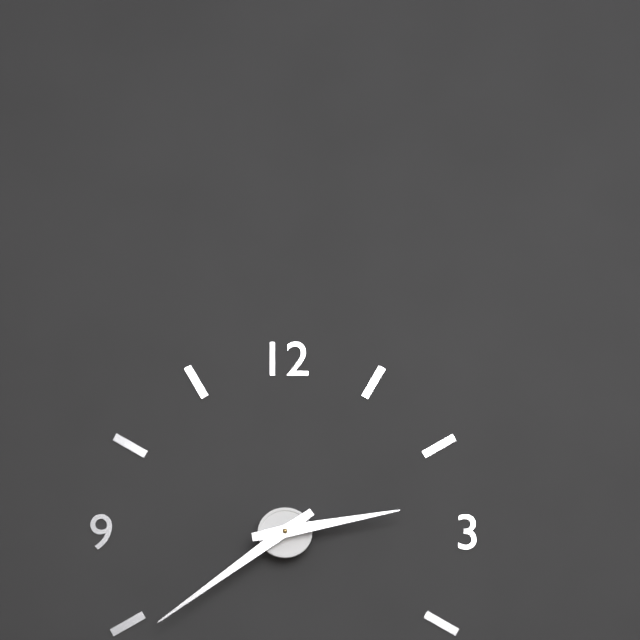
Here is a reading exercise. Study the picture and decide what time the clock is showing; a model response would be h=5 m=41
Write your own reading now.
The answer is h=2 m=39
